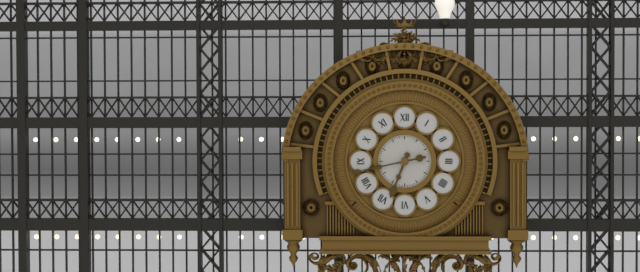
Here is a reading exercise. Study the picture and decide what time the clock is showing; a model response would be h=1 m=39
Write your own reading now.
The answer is h=6 m=43
